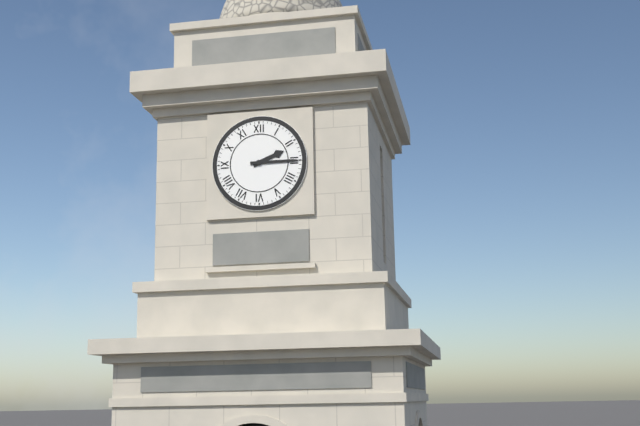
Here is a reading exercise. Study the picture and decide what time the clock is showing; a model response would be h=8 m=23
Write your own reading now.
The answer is h=2 m=15
